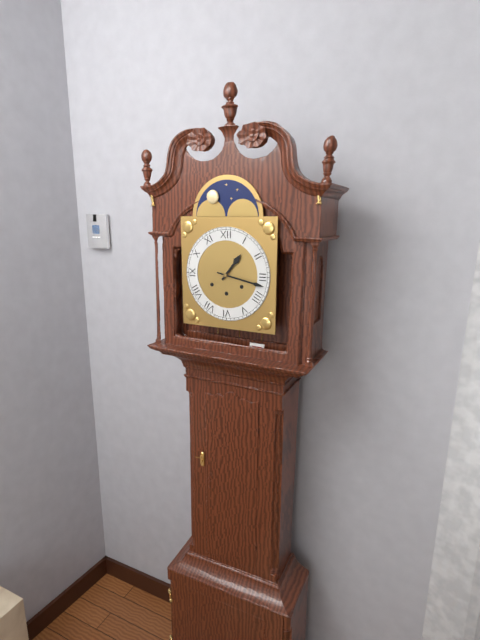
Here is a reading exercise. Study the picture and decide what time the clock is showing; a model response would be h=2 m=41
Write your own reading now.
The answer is h=1 m=17
